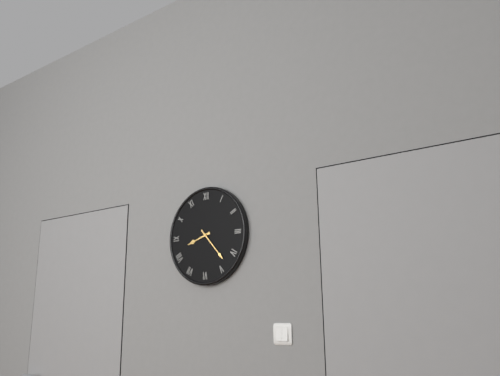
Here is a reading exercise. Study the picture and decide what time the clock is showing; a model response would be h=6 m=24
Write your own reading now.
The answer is h=8 m=23
